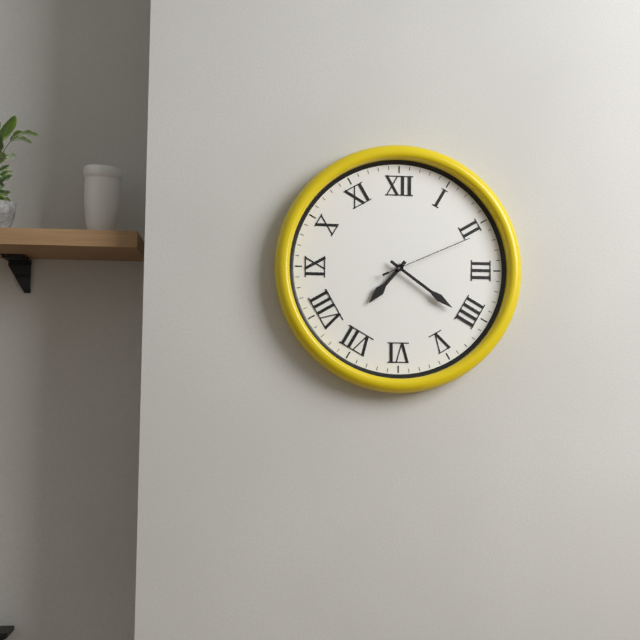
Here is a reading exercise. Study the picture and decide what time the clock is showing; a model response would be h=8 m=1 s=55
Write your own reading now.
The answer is h=7 m=21 s=11
